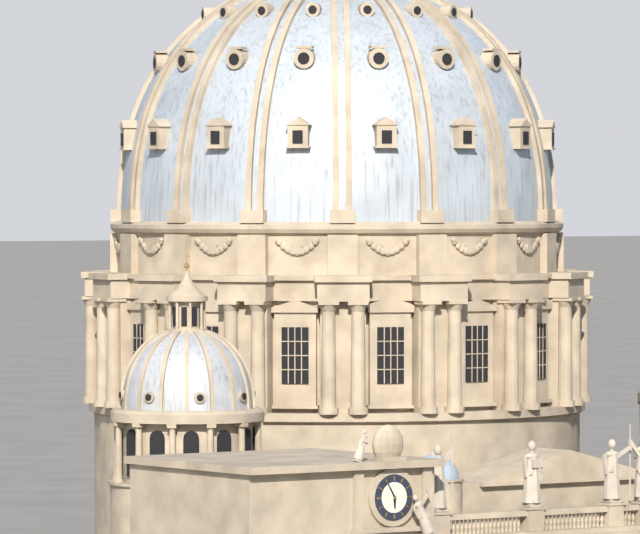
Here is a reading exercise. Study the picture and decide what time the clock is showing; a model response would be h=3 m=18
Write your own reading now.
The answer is h=5 m=55
